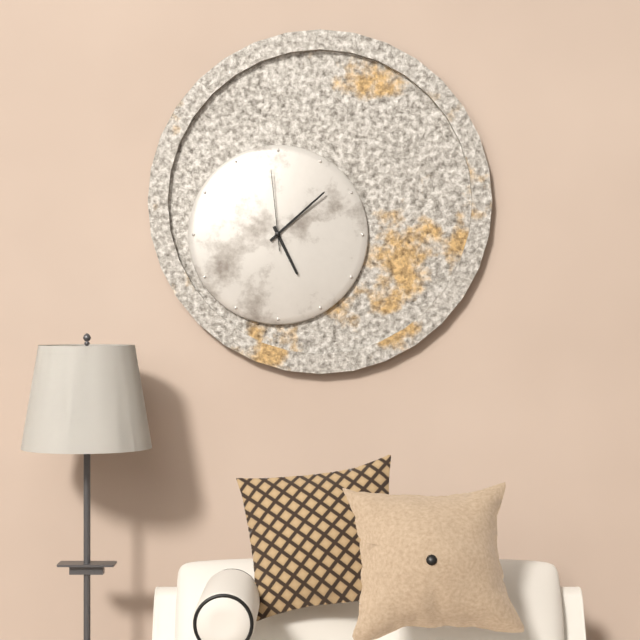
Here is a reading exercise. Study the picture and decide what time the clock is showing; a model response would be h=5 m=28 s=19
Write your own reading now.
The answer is h=5 m=8 s=59
